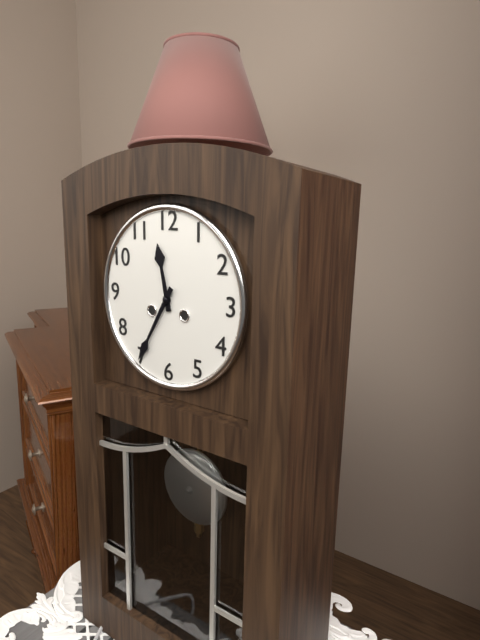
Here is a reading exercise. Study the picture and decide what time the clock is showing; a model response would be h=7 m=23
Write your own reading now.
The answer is h=11 m=35
